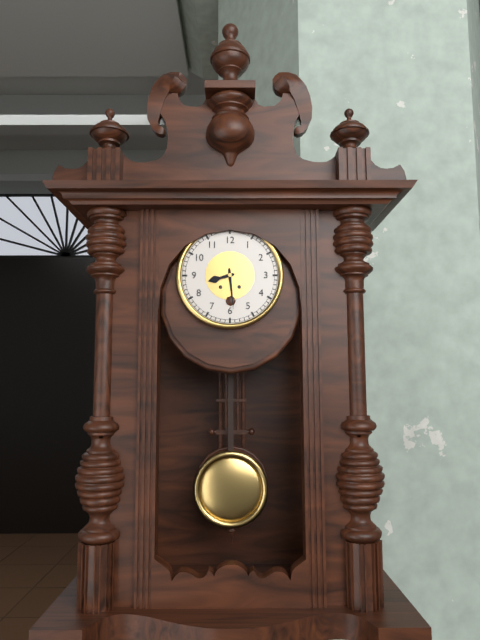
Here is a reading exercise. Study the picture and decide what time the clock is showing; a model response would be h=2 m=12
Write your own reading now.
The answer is h=8 m=29
